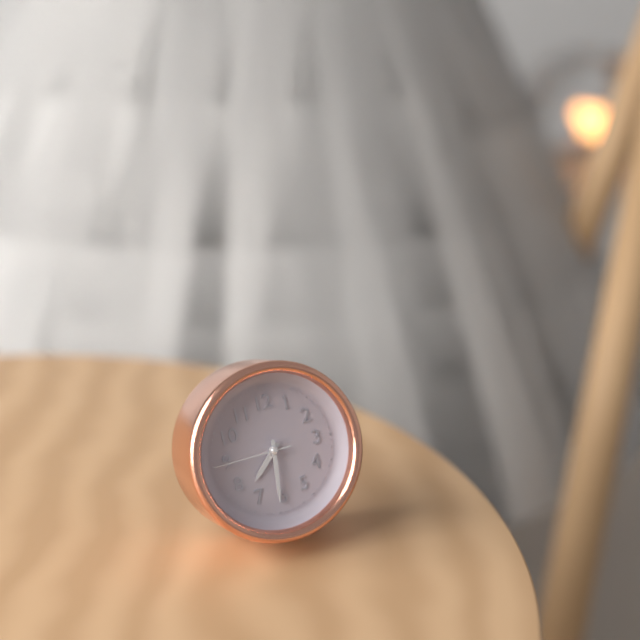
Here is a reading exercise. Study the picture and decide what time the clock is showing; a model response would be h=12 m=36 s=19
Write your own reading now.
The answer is h=7 m=31 s=45
